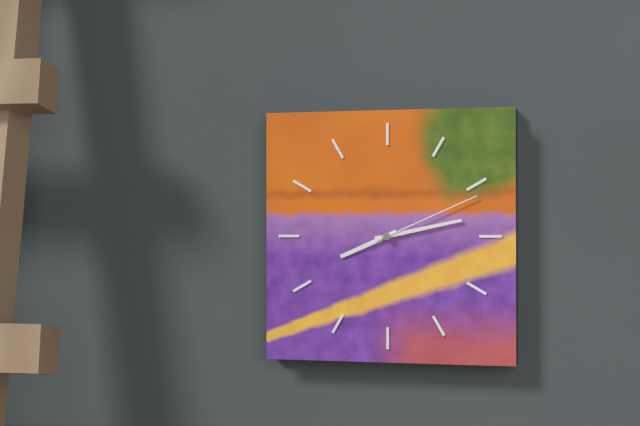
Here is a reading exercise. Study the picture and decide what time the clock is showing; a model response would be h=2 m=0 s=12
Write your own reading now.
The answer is h=8 m=13 s=11
